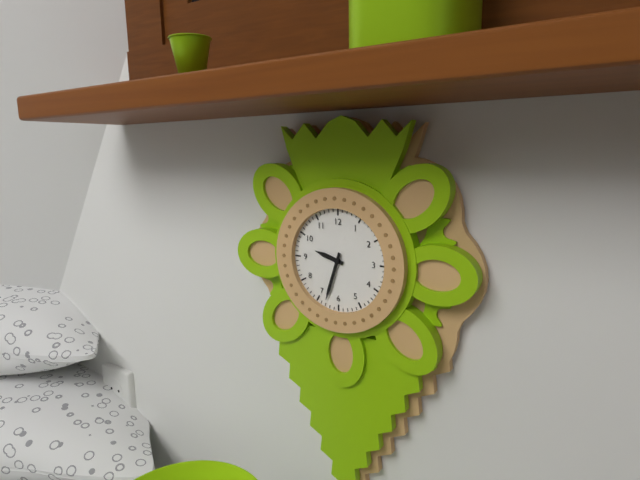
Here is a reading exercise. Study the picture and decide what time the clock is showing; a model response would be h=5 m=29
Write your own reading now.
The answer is h=9 m=33
